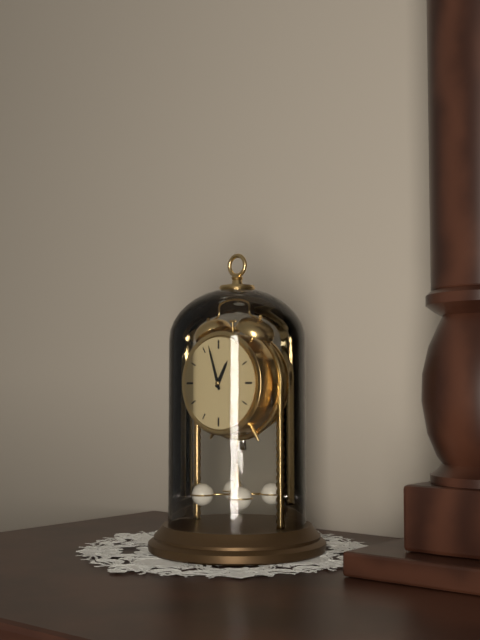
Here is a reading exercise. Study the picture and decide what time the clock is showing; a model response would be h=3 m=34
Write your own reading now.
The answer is h=12 m=57
